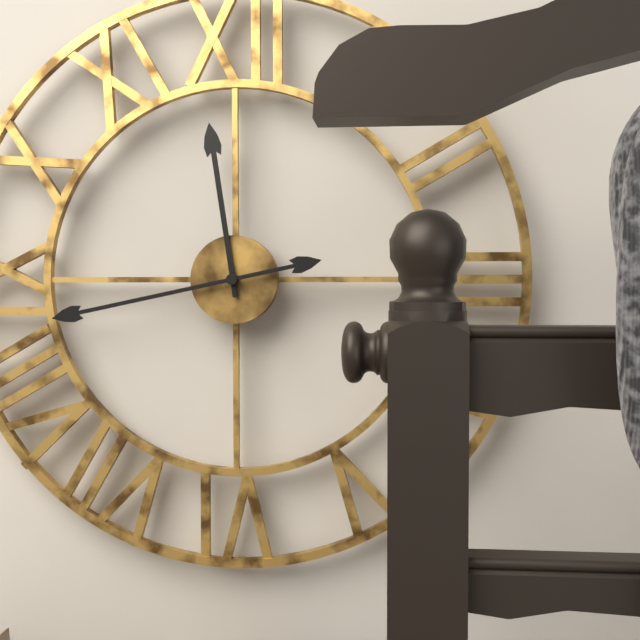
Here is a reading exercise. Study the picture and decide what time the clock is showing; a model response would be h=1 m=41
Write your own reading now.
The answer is h=11 m=43
